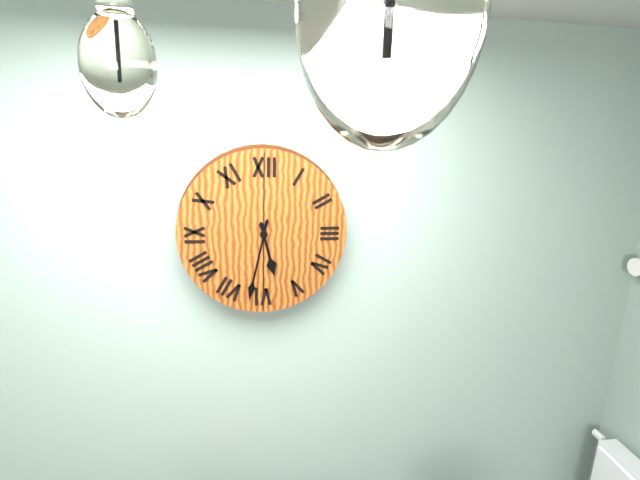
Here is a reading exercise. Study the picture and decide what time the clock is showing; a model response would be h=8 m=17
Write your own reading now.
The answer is h=5 m=32
